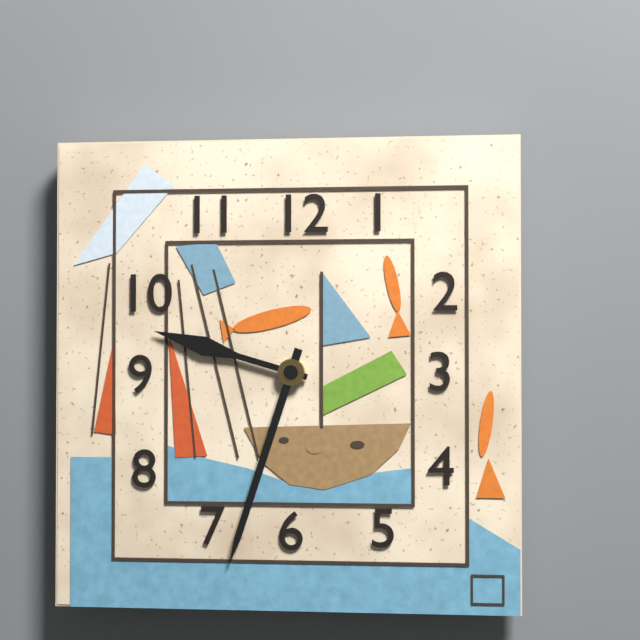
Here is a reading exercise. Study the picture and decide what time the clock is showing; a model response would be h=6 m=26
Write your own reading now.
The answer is h=9 m=33
